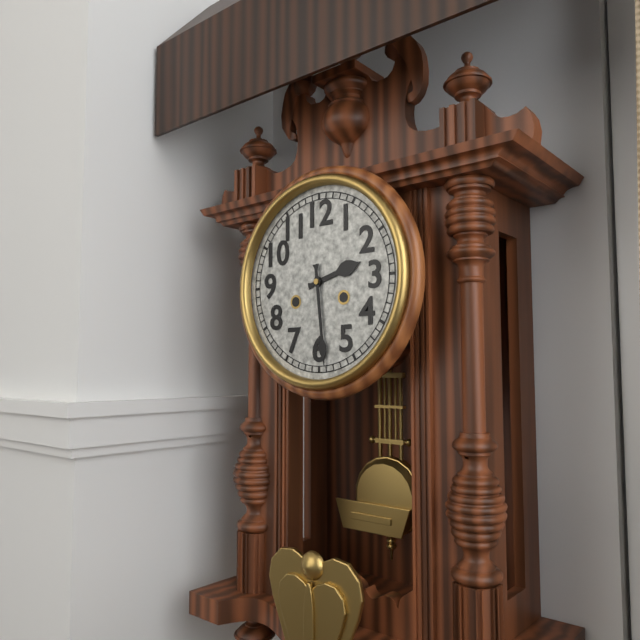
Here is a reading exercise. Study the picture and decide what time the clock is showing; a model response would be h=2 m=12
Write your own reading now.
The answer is h=2 m=29
